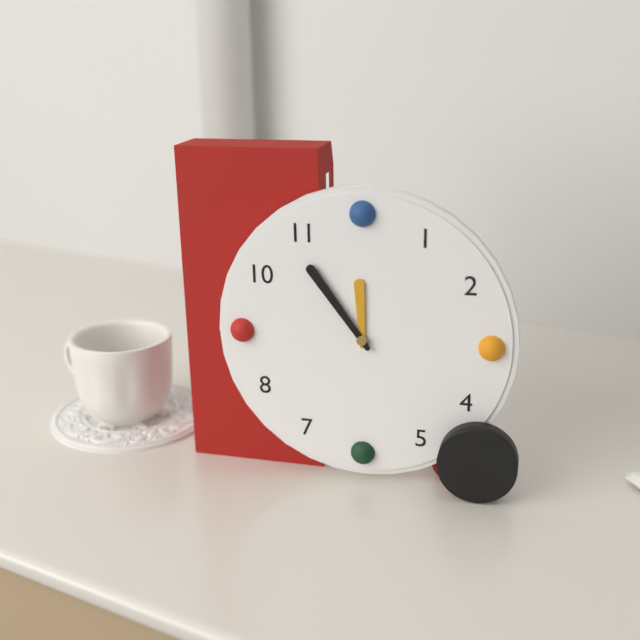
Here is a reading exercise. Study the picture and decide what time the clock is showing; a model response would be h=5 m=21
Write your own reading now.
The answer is h=11 m=54
